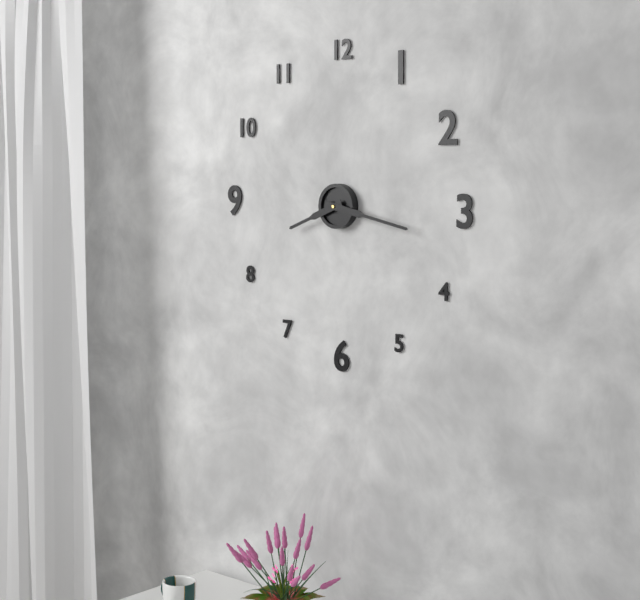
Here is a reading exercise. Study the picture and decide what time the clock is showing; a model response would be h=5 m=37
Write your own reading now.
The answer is h=8 m=17
